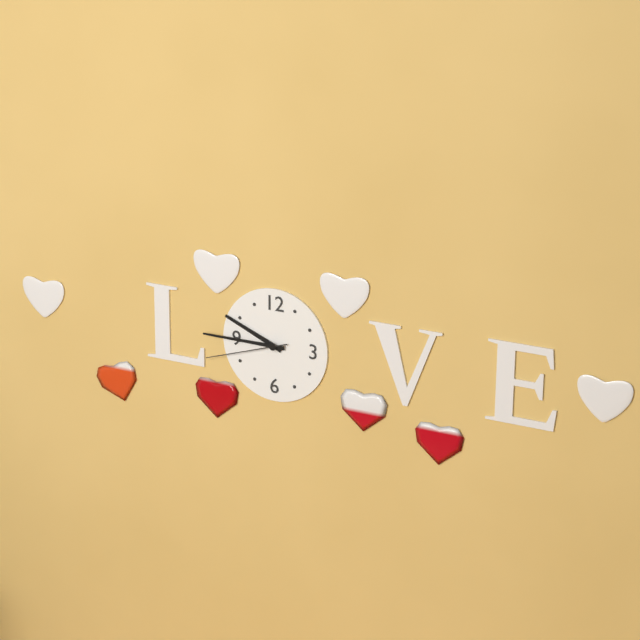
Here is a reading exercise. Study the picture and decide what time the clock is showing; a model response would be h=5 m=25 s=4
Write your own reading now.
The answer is h=9 m=45 s=42
